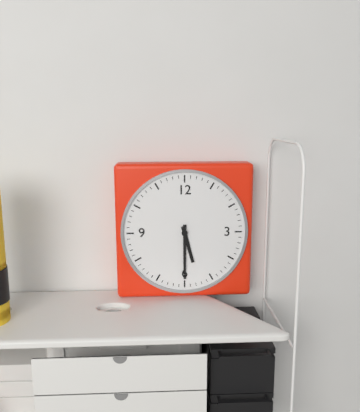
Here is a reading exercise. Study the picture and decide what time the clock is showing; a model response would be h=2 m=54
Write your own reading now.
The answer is h=5 m=30
